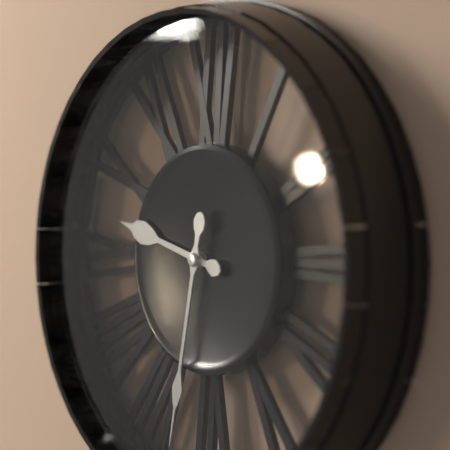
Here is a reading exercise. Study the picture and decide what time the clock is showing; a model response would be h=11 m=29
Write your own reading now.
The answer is h=9 m=32
